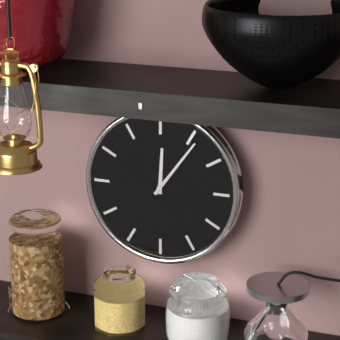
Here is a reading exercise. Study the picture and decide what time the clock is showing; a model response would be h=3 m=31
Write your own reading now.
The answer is h=12 m=6
